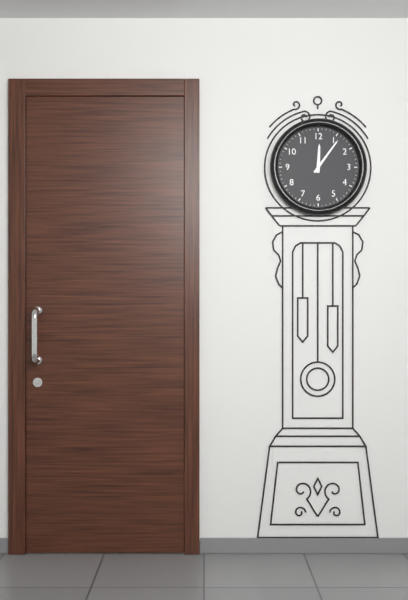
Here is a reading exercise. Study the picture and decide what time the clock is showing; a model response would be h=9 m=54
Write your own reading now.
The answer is h=12 m=6
